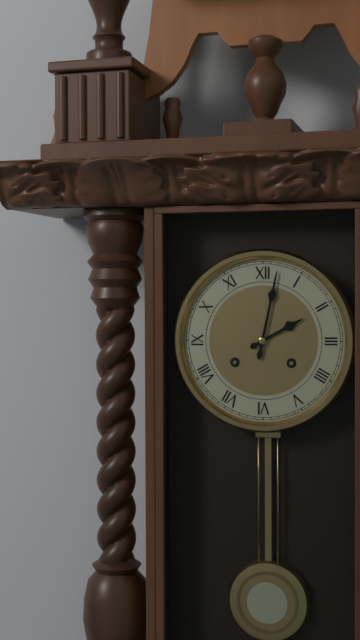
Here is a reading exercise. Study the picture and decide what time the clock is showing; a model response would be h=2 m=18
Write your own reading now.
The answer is h=2 m=2
